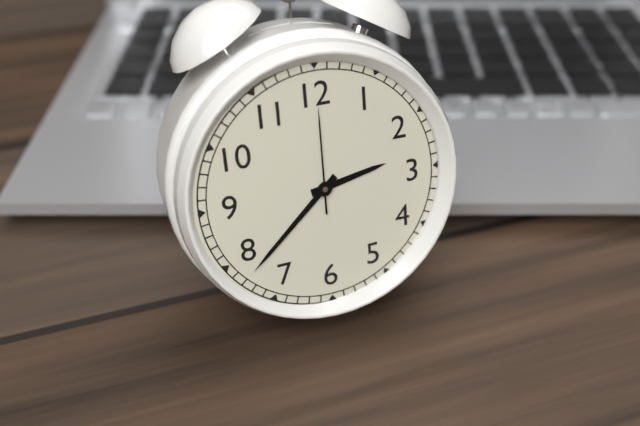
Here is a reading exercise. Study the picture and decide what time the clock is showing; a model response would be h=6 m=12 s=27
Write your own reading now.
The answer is h=2 m=38 s=0
